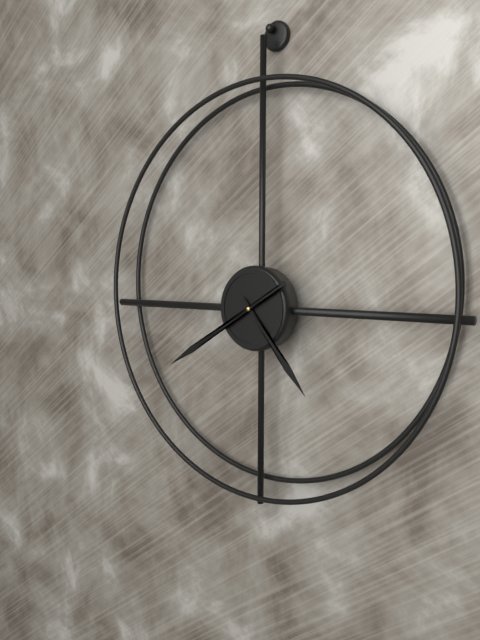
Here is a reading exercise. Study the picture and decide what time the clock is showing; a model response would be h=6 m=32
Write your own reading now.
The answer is h=4 m=40
